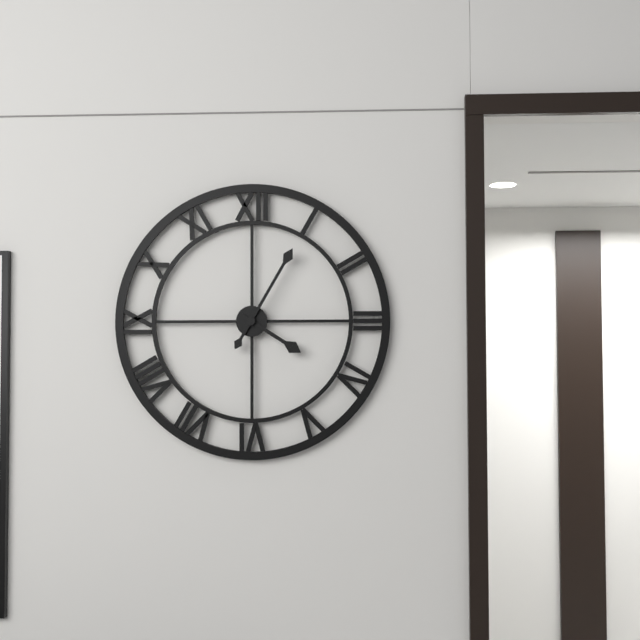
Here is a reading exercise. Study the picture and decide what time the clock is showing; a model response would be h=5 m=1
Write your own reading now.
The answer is h=4 m=5
